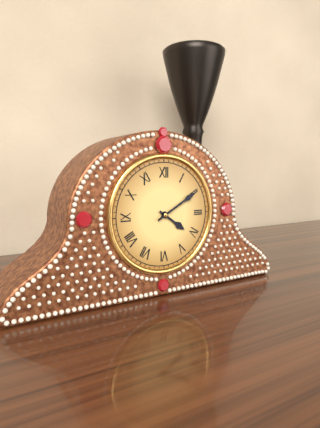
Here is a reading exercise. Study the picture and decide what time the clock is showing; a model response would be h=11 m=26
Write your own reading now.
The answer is h=4 m=10
